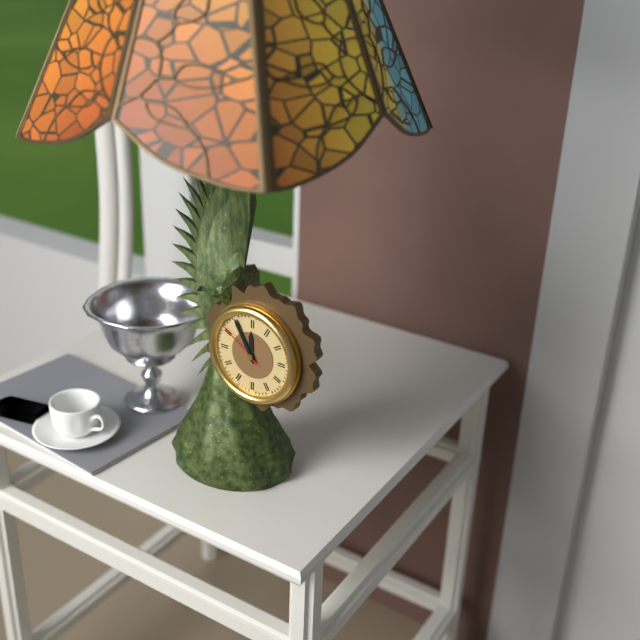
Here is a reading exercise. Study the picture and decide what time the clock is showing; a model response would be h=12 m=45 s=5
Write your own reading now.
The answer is h=11 m=55 s=51
